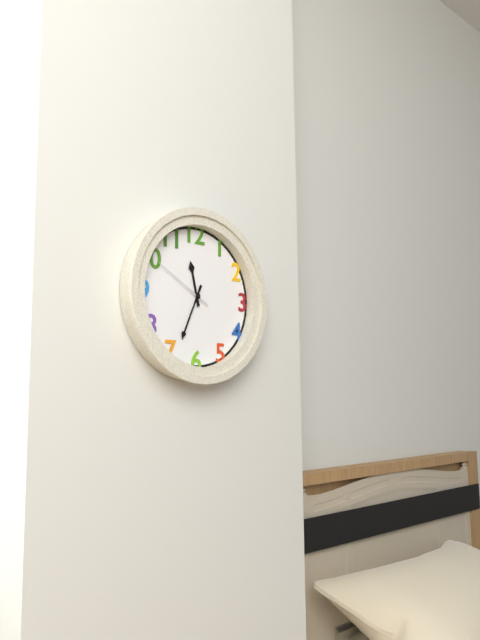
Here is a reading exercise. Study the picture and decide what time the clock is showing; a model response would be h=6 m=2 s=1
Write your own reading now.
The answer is h=11 m=34 s=50
